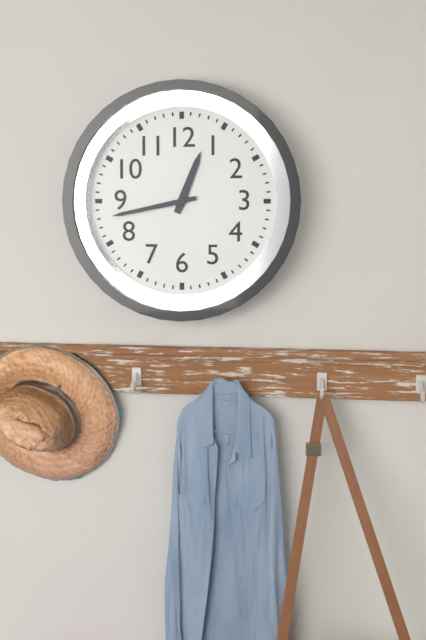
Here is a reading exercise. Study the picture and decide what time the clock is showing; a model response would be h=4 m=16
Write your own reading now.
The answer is h=12 m=43
